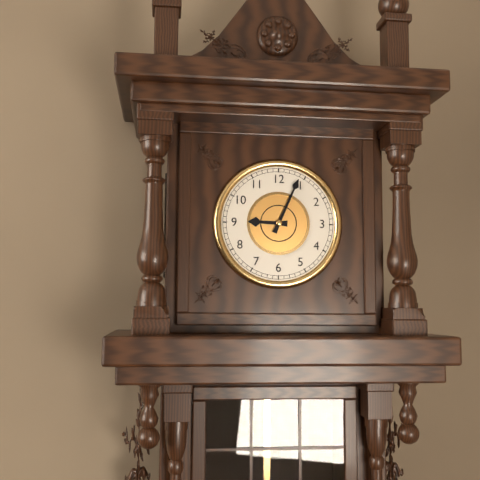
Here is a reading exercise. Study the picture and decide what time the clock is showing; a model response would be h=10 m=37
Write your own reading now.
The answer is h=9 m=4
